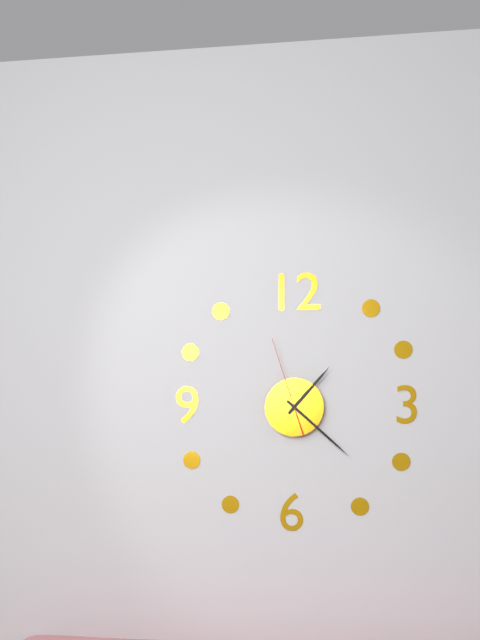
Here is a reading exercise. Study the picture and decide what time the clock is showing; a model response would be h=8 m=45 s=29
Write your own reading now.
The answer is h=1 m=22 s=57
